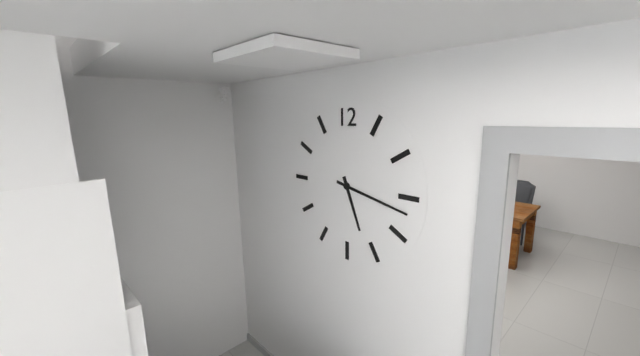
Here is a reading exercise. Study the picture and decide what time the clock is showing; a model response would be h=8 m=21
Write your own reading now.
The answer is h=5 m=17
